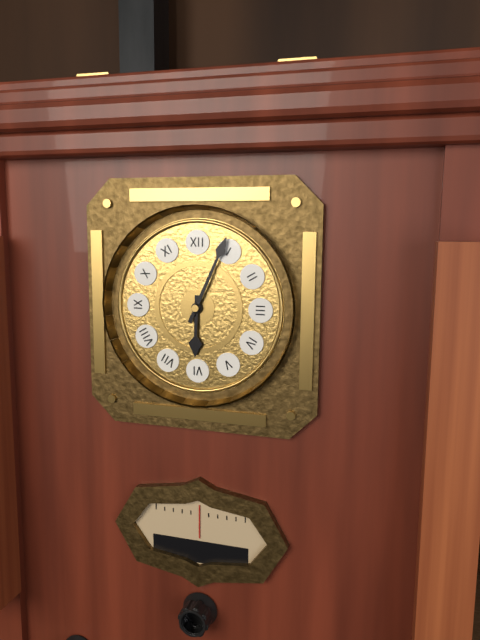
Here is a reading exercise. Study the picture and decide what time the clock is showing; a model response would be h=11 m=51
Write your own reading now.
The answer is h=6 m=4
